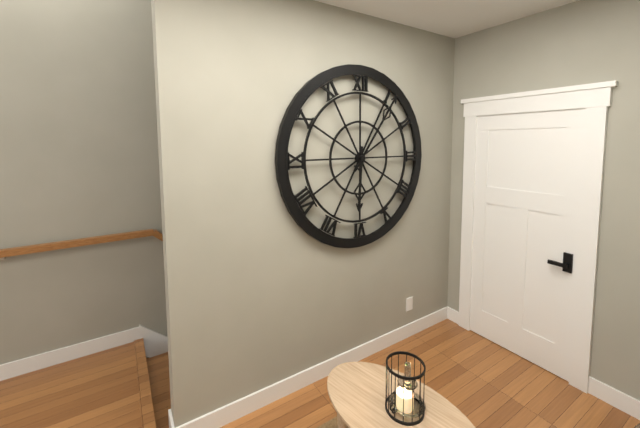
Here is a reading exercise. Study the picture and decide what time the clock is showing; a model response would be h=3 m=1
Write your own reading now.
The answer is h=6 m=6
